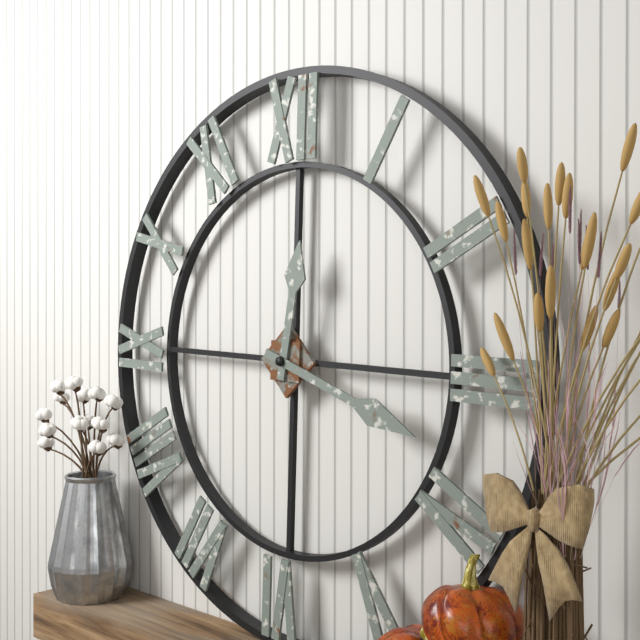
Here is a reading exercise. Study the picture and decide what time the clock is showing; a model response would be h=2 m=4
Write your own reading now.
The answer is h=12 m=18
